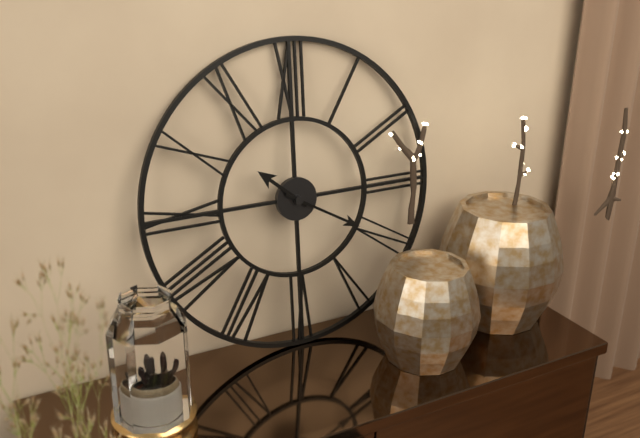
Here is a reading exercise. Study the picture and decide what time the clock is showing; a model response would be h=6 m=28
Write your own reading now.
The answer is h=10 m=20
